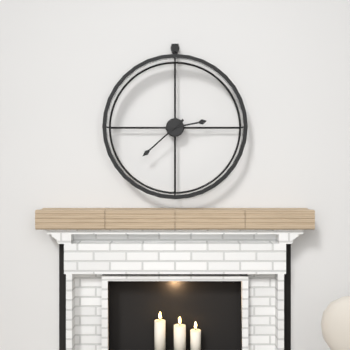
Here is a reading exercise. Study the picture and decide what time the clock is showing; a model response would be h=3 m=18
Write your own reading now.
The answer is h=2 m=38
